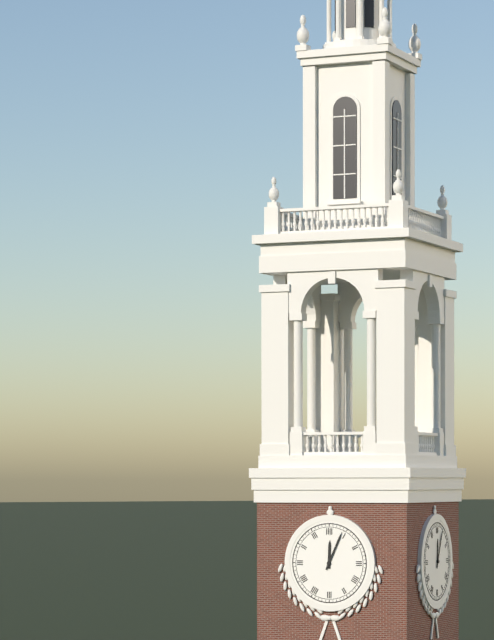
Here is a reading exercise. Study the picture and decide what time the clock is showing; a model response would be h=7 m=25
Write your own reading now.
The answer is h=12 m=4
